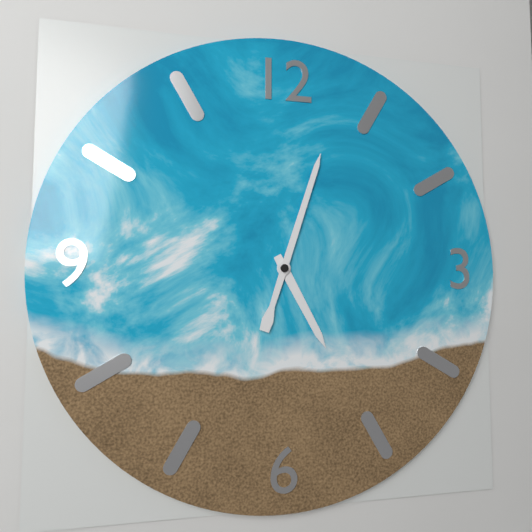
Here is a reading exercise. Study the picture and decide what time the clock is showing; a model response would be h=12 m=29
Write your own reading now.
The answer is h=5 m=3
